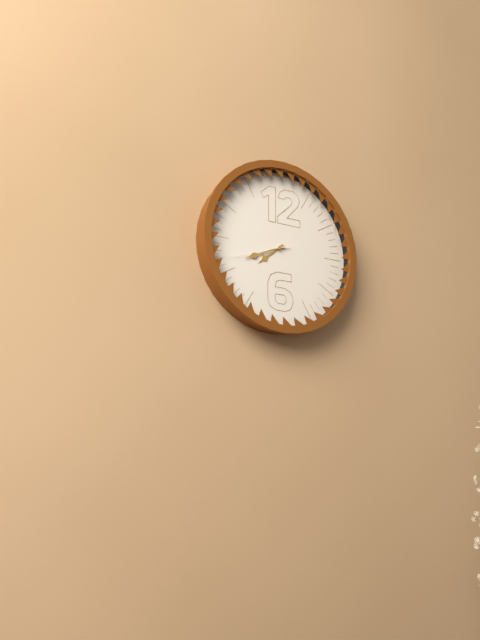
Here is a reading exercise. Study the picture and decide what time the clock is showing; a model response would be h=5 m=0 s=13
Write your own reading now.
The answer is h=7 m=41 s=42
